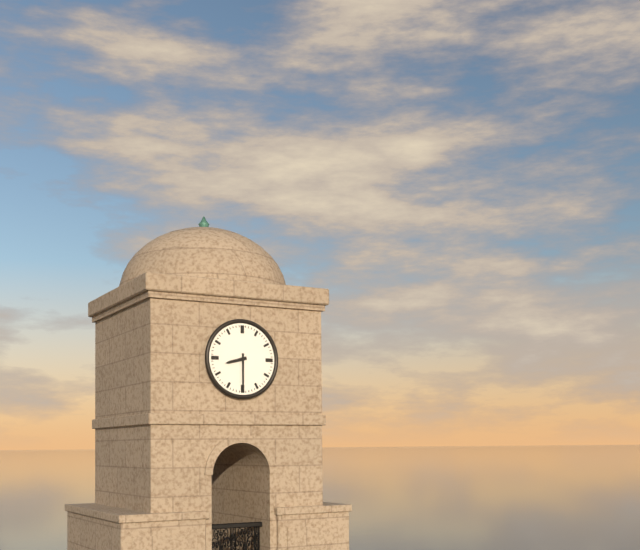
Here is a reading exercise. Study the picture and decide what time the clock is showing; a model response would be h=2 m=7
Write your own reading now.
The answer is h=8 m=30
